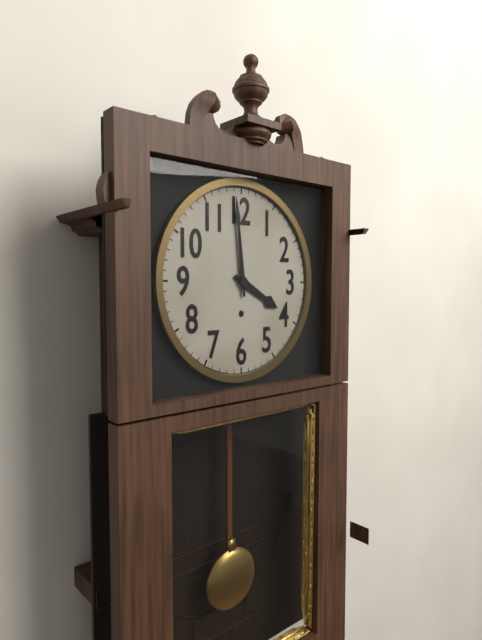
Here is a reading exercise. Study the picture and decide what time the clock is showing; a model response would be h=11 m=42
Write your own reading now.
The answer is h=3 m=59
